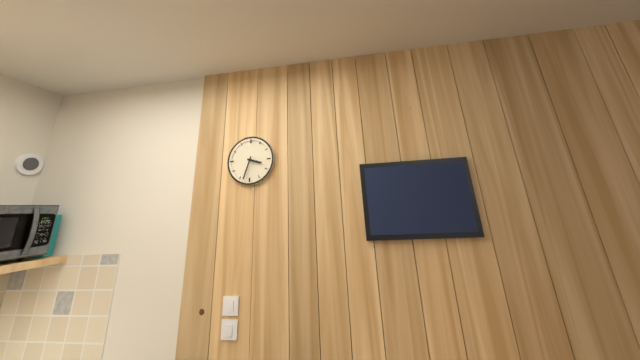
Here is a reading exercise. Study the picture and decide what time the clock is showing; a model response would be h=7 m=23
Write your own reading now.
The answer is h=3 m=33
